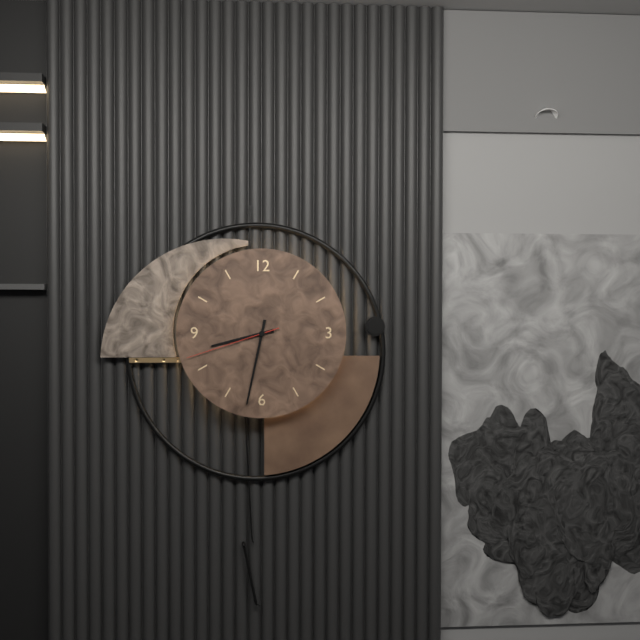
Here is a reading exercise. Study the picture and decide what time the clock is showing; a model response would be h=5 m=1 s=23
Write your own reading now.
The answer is h=8 m=32 s=42
